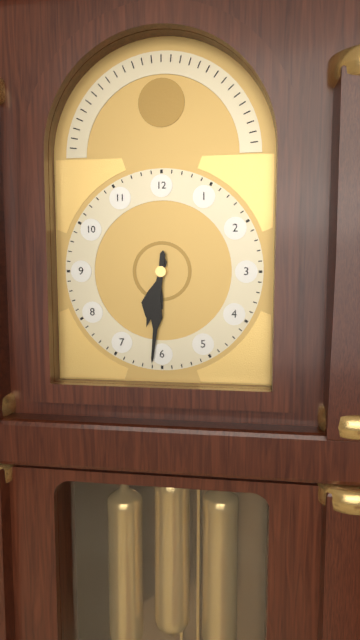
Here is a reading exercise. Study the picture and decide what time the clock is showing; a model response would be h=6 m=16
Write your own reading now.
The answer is h=6 m=31
